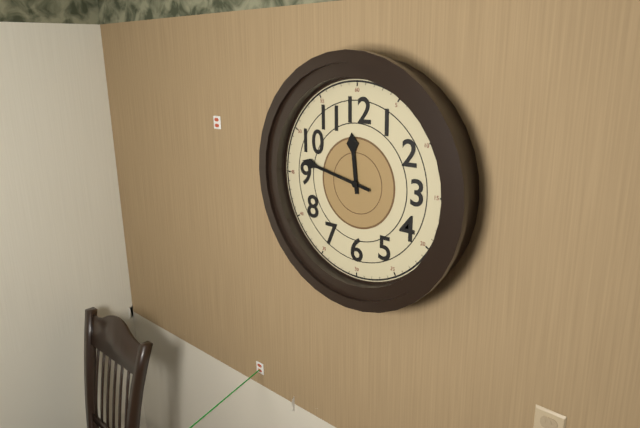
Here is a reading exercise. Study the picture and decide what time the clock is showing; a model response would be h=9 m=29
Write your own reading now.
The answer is h=11 m=47
